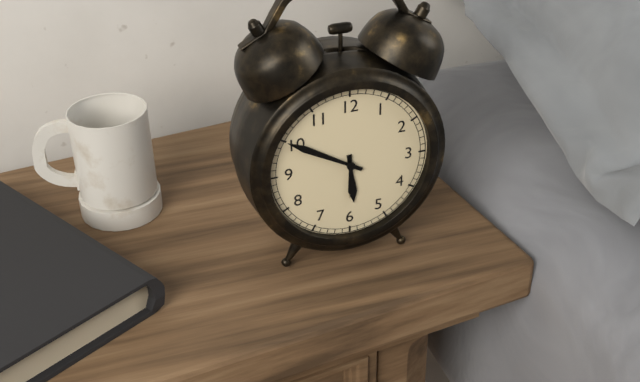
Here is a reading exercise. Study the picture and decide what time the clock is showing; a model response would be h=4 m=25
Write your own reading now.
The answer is h=5 m=50
